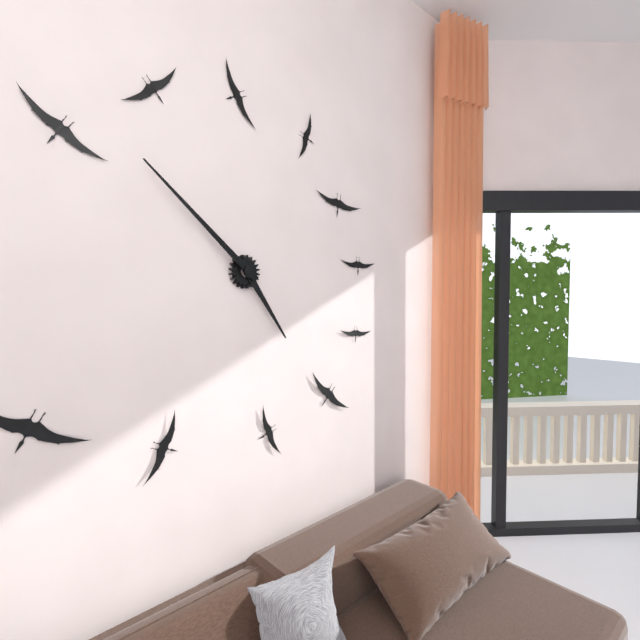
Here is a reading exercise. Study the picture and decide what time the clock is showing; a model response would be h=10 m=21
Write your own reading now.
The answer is h=4 m=52
